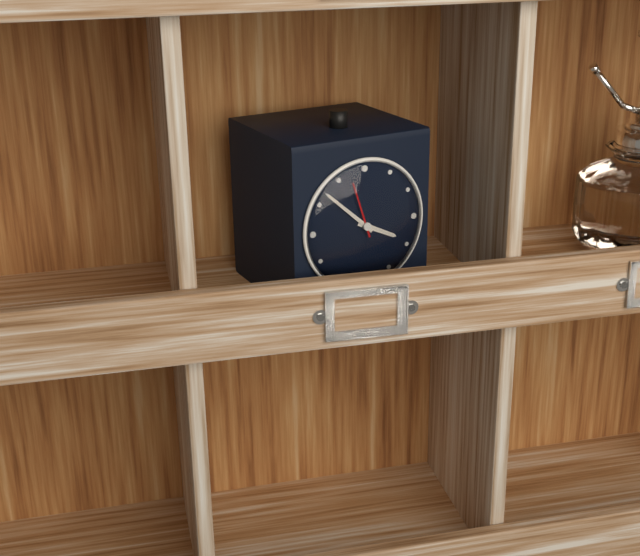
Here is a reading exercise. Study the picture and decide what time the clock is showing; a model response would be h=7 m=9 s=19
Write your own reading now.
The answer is h=3 m=52 s=57
